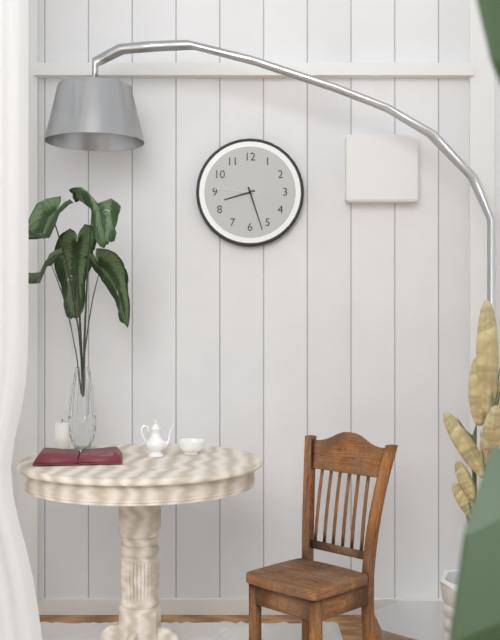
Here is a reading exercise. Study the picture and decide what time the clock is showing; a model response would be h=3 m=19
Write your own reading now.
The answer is h=8 m=27
